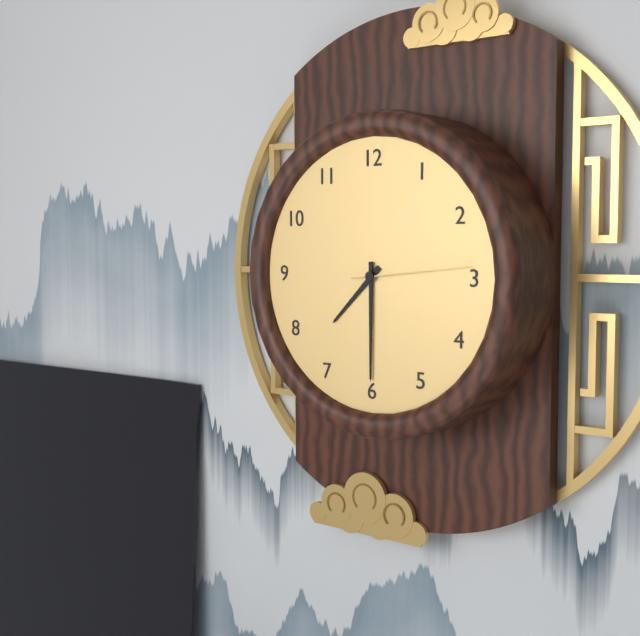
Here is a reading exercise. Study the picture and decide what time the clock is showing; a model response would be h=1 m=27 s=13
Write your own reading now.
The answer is h=7 m=30 s=14
